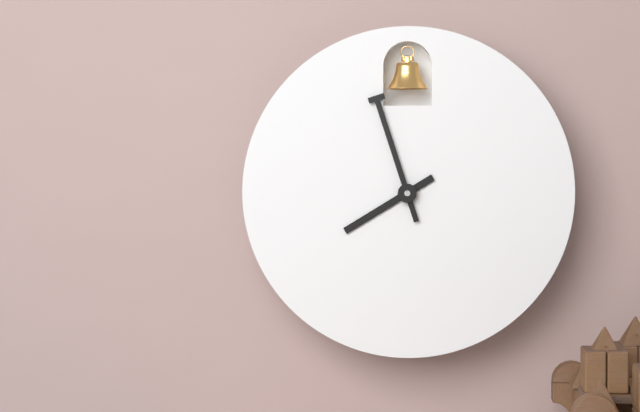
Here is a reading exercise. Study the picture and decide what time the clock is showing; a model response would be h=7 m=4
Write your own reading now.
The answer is h=7 m=57
